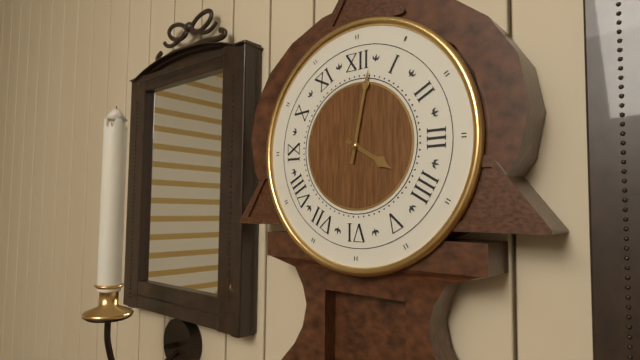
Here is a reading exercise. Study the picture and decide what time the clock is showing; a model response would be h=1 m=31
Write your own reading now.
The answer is h=4 m=2
